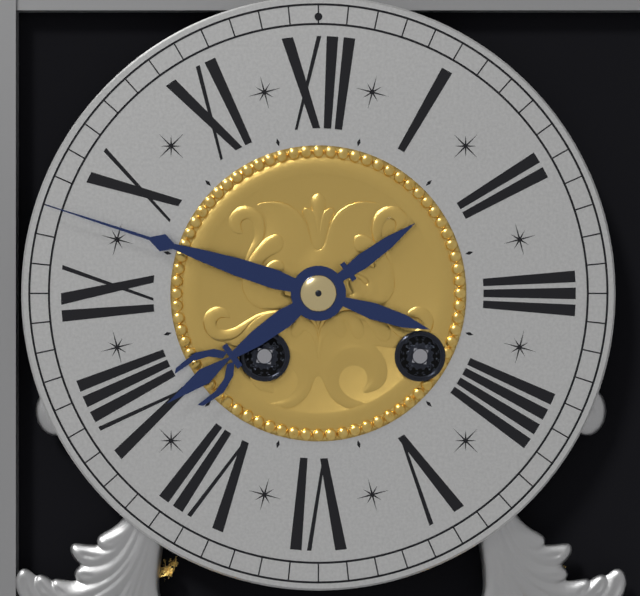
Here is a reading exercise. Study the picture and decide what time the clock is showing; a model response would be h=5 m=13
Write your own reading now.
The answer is h=7 m=48
